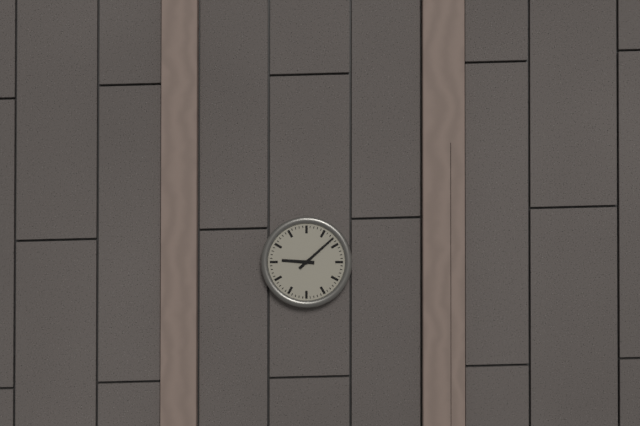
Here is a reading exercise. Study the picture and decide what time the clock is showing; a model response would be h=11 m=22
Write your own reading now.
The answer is h=9 m=8
